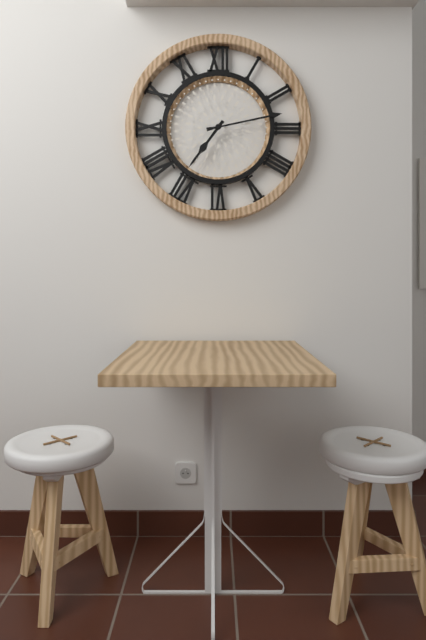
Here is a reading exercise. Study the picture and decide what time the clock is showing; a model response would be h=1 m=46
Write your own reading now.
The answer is h=7 m=13
